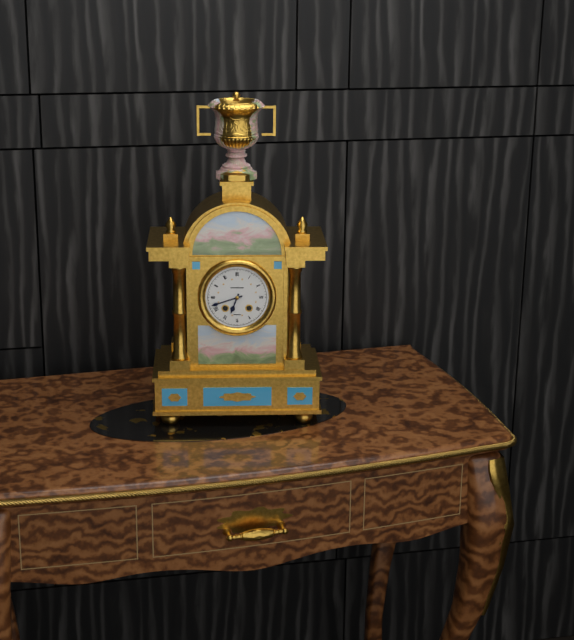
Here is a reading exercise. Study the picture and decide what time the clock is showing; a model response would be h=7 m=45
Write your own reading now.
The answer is h=6 m=42
